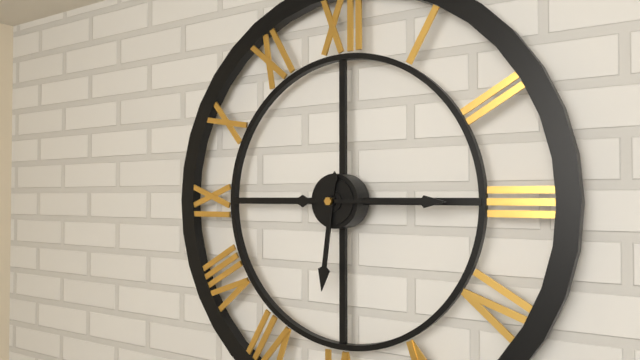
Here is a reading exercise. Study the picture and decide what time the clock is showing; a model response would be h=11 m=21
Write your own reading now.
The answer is h=6 m=15
